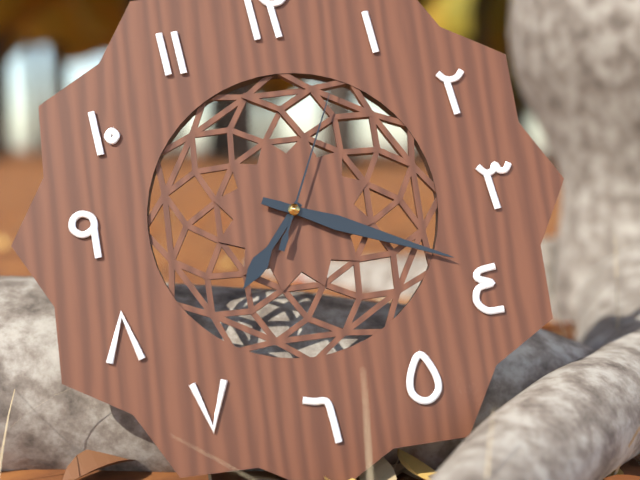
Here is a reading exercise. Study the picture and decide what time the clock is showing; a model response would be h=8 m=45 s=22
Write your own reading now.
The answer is h=7 m=19 s=4
